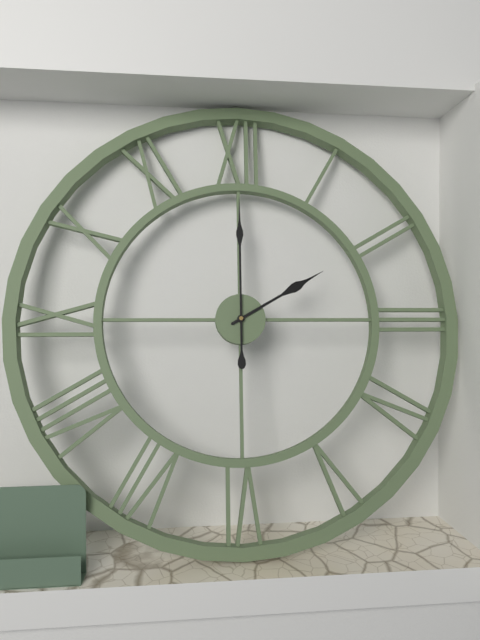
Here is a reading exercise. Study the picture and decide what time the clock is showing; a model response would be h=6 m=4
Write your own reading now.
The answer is h=2 m=0
